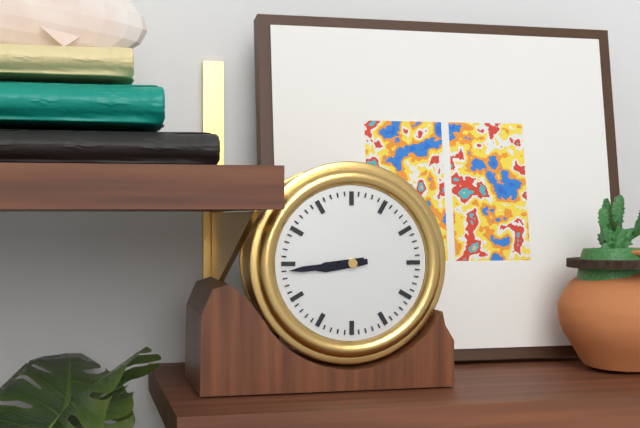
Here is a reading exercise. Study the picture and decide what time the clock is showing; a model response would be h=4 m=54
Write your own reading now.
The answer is h=8 m=44
